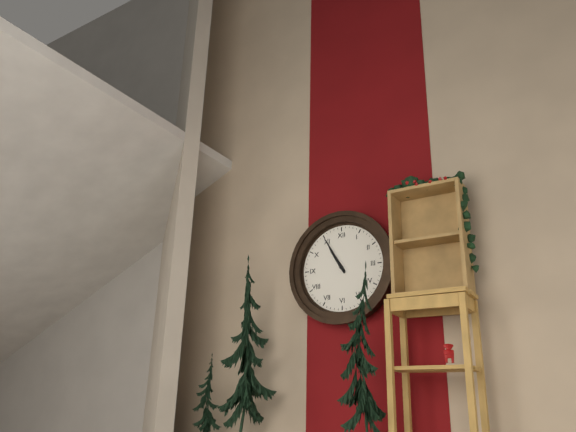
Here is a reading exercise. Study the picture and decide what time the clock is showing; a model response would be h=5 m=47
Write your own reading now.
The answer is h=10 m=55
